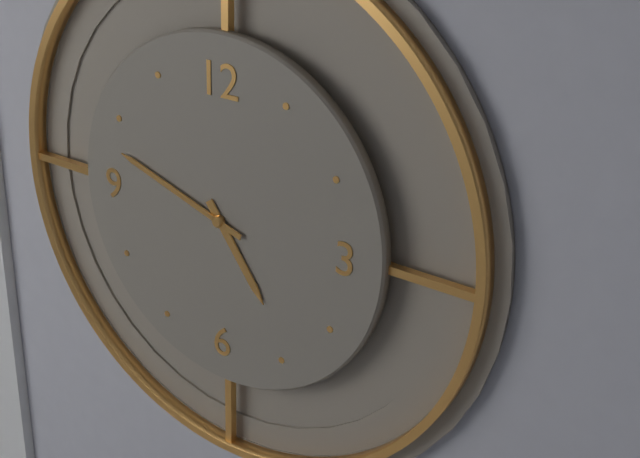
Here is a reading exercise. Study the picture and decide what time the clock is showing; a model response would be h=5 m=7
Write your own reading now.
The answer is h=4 m=48
